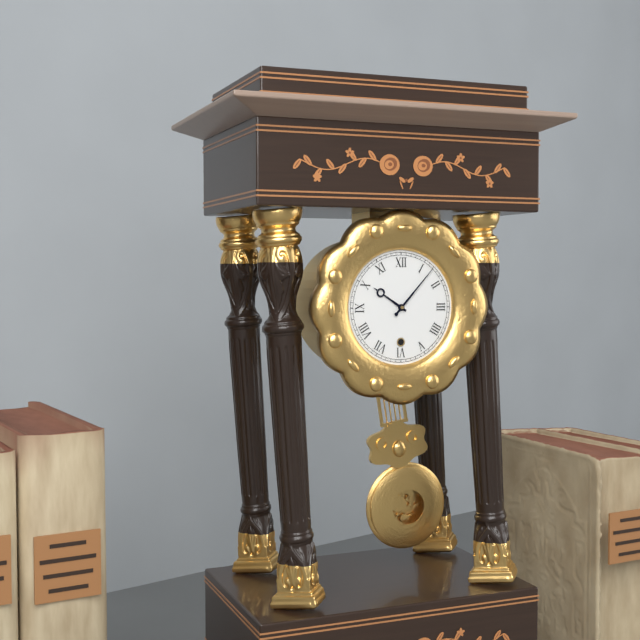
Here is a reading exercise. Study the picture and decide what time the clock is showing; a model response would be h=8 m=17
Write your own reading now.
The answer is h=10 m=7
